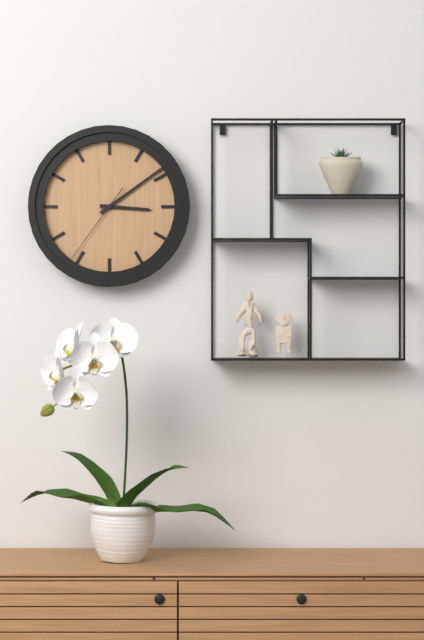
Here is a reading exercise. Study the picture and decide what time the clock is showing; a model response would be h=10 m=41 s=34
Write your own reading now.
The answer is h=3 m=9 s=36
